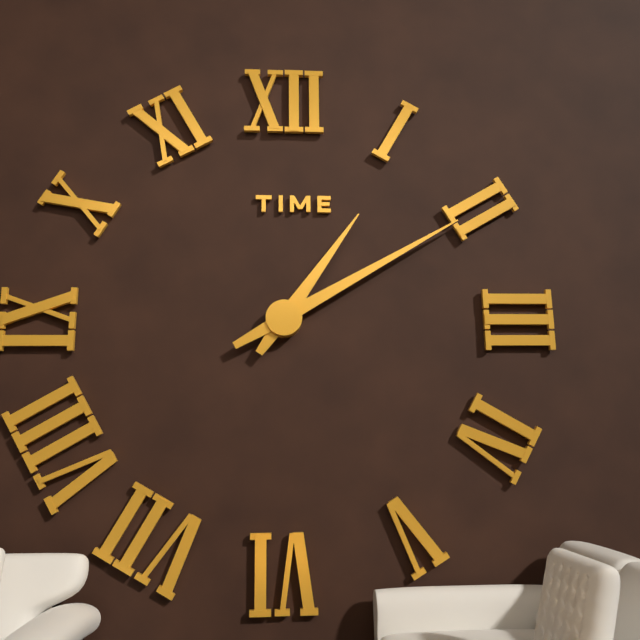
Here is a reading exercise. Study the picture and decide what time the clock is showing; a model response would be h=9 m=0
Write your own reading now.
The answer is h=1 m=10
